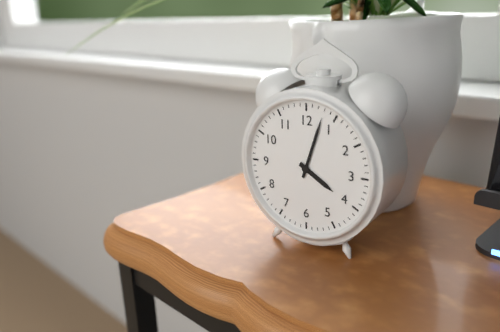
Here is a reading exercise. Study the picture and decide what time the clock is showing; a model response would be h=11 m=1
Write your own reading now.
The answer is h=4 m=3
